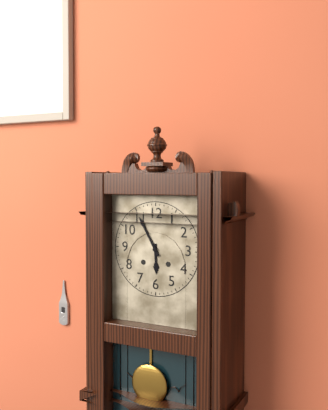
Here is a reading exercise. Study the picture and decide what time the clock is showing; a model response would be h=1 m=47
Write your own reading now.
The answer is h=5 m=55
